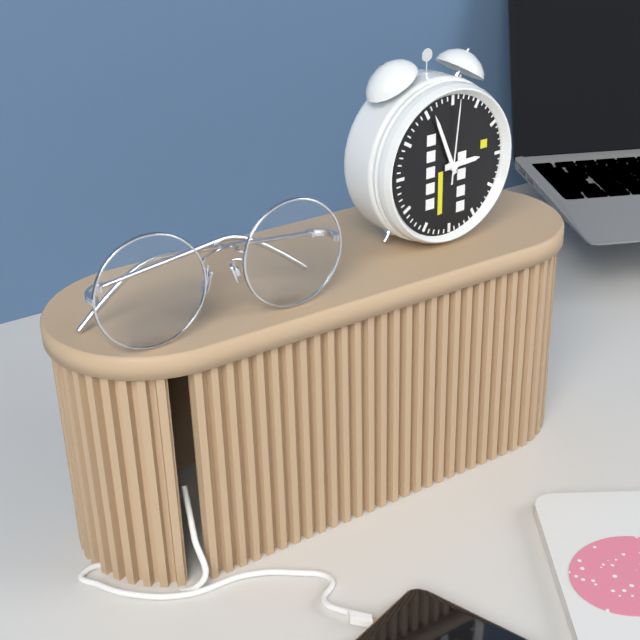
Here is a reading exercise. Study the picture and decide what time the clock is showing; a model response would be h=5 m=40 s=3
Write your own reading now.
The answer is h=2 m=56 s=1
